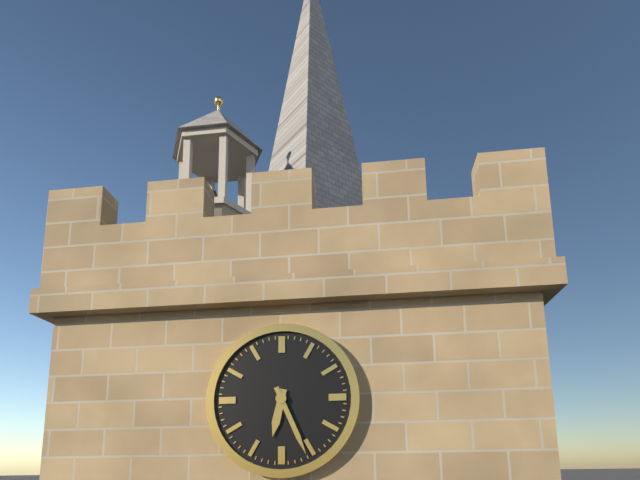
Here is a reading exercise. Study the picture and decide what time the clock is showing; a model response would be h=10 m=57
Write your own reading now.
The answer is h=6 m=26
